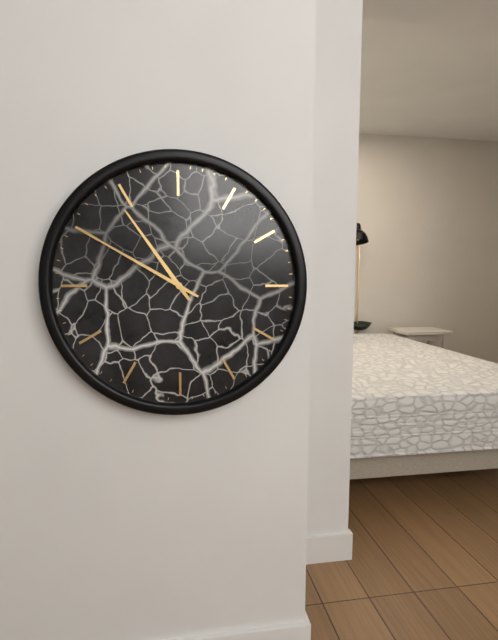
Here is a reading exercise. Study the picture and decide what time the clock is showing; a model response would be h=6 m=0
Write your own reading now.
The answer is h=10 m=50
